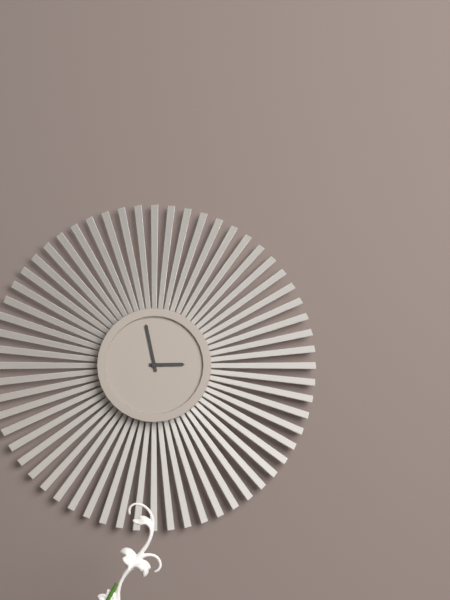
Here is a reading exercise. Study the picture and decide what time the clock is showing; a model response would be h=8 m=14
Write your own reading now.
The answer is h=2 m=58
